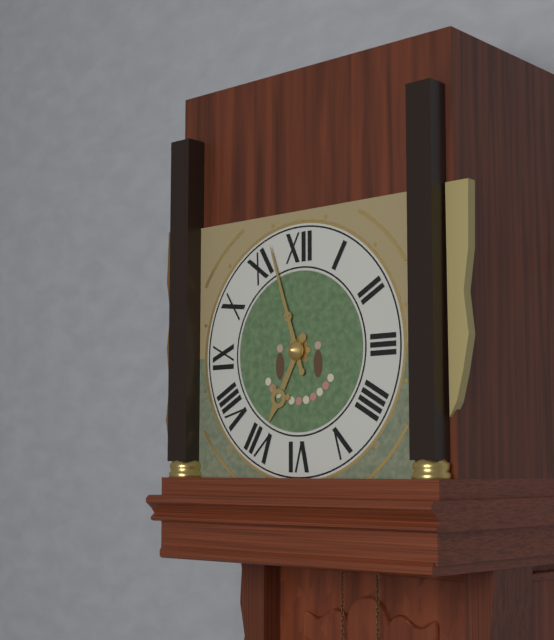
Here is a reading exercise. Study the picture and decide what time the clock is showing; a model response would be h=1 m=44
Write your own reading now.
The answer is h=6 m=57
